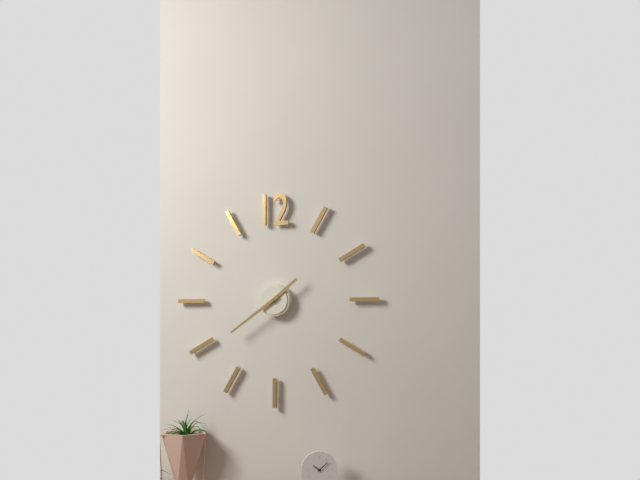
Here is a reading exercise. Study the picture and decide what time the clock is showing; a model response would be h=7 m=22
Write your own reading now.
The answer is h=1 m=39
